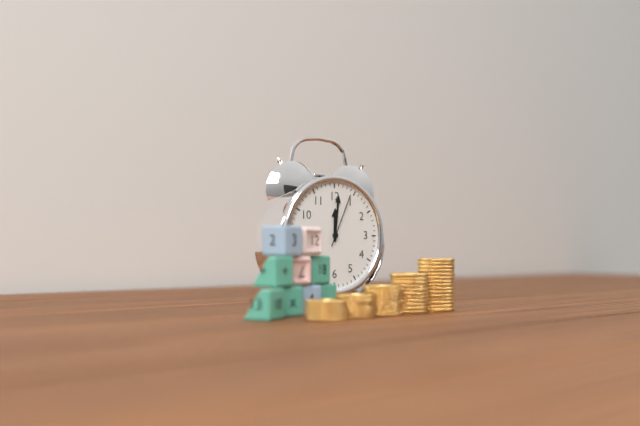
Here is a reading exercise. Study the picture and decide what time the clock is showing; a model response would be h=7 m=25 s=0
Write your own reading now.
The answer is h=12 m=1 s=4
